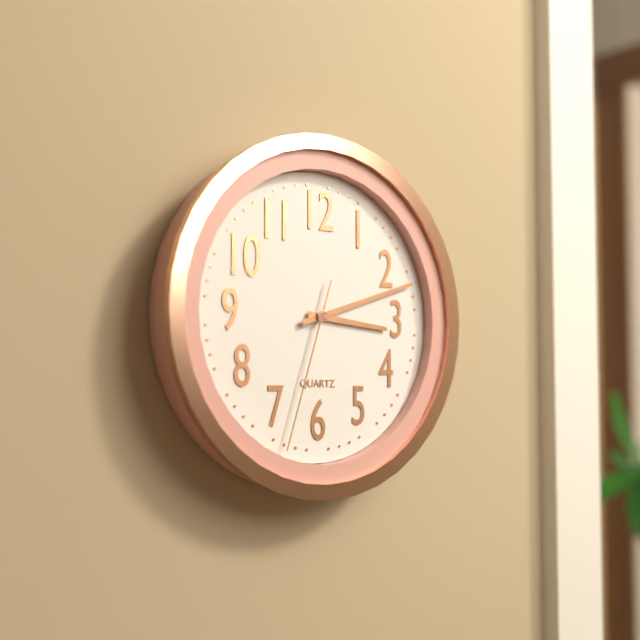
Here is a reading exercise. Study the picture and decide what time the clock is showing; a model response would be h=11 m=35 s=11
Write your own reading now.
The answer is h=3 m=12 s=33
